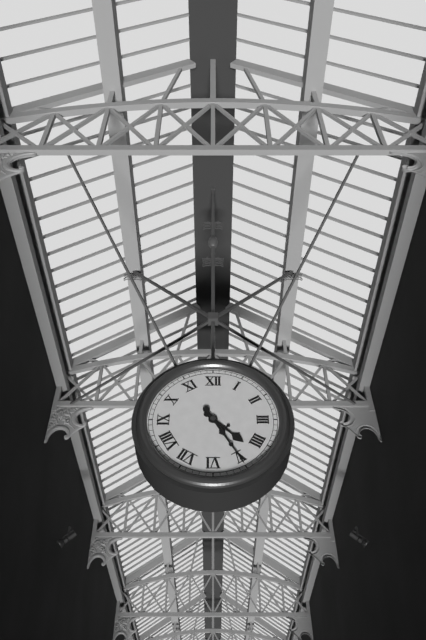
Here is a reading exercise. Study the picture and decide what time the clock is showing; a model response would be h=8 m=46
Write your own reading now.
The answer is h=4 m=25
